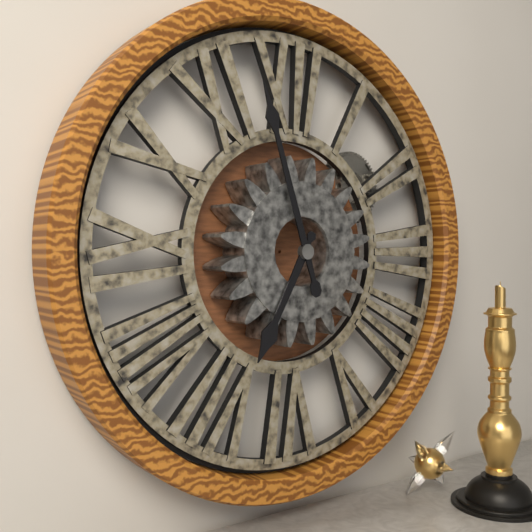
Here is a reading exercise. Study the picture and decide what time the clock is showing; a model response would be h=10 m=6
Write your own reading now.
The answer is h=6 m=57
